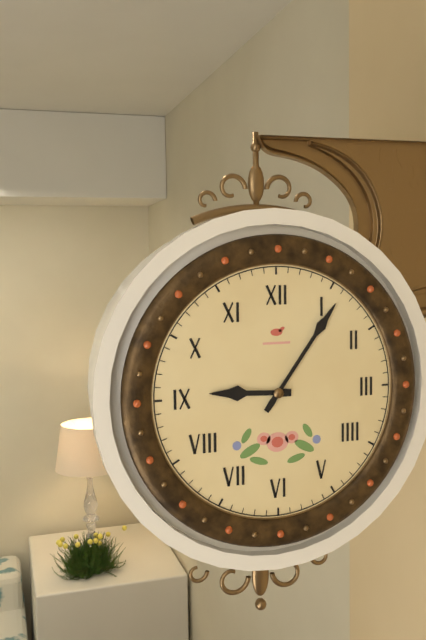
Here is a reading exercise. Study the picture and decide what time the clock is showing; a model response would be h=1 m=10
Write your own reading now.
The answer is h=9 m=6
